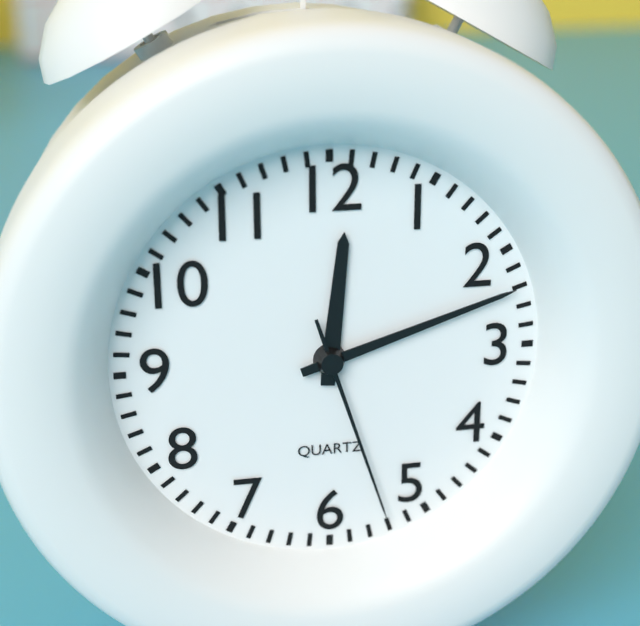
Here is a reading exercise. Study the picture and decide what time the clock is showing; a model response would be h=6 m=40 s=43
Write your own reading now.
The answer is h=12 m=12 s=27
